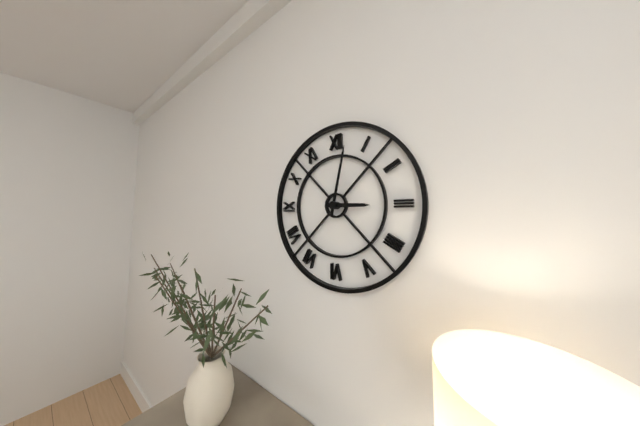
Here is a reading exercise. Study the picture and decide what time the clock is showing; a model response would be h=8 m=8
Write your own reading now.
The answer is h=3 m=2
